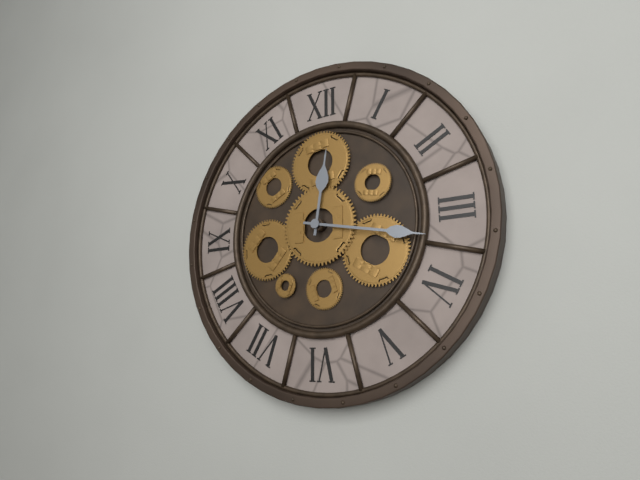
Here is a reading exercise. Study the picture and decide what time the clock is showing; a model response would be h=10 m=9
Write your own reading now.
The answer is h=12 m=17
